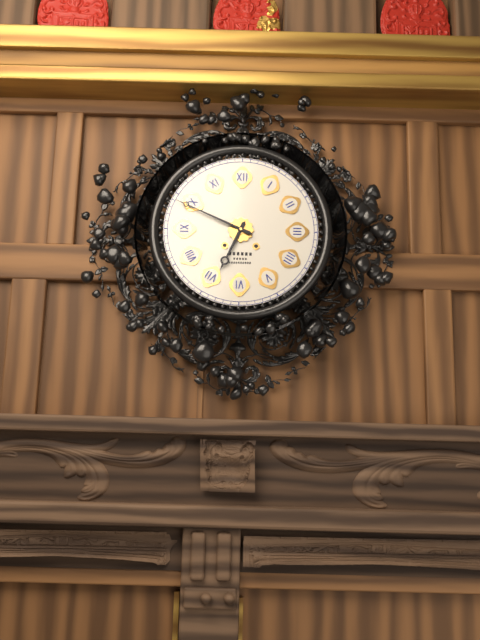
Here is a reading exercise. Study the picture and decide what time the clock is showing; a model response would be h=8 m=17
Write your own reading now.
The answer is h=6 m=49
